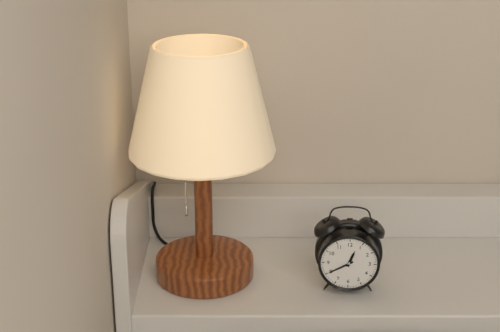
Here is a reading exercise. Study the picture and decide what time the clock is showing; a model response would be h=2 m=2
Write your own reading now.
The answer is h=12 m=40
